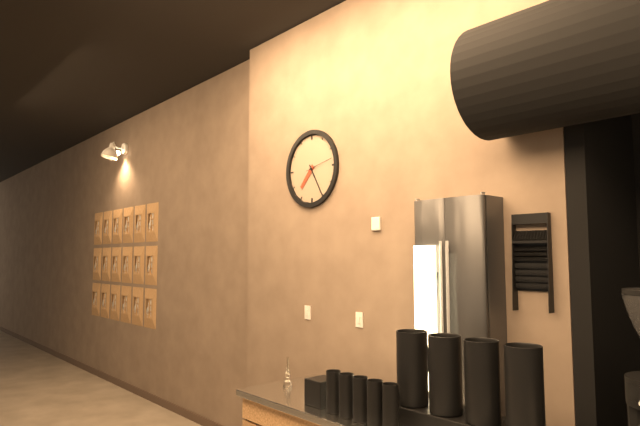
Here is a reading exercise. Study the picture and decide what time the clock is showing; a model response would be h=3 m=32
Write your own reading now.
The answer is h=7 m=25
